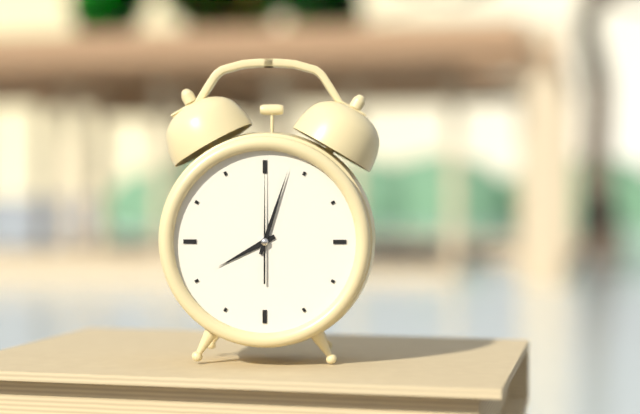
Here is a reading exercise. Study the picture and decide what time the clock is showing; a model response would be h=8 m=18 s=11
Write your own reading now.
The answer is h=8 m=3 s=0
